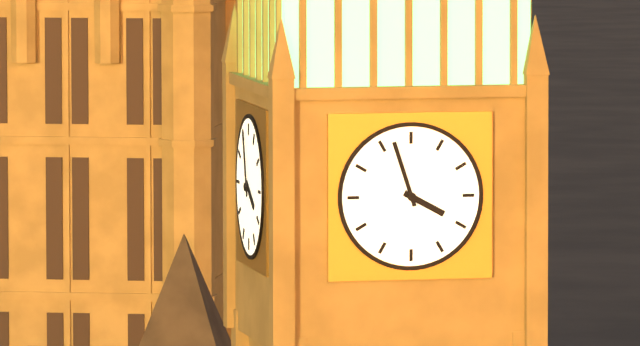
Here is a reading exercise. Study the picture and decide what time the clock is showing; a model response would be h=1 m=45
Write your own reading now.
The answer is h=3 m=57
